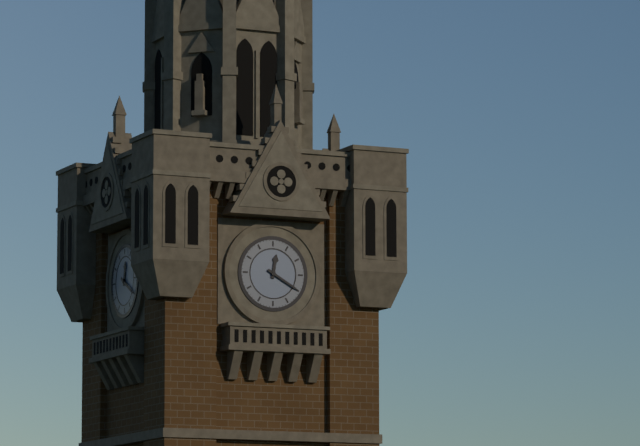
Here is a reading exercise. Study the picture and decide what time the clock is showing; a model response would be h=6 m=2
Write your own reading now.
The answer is h=12 m=20
